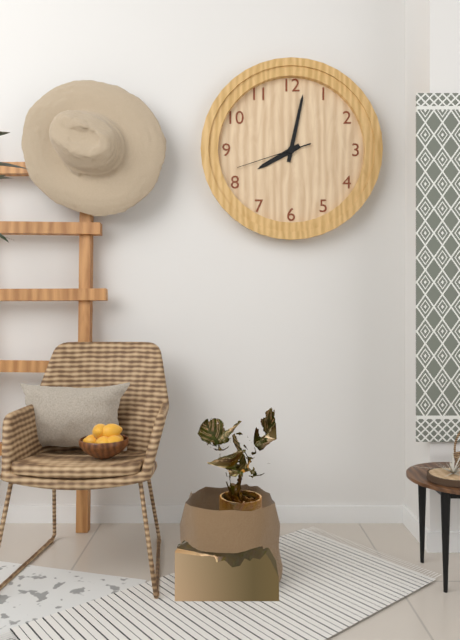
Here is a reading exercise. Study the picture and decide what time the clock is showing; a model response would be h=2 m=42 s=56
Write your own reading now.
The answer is h=8 m=2 s=42
